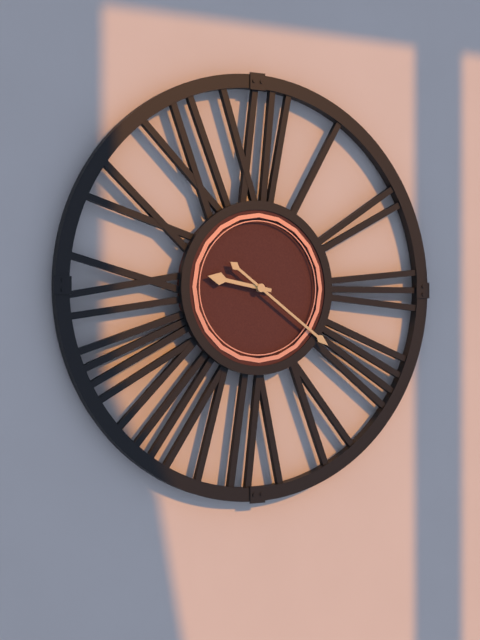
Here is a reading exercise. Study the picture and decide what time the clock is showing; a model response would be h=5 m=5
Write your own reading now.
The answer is h=9 m=21
